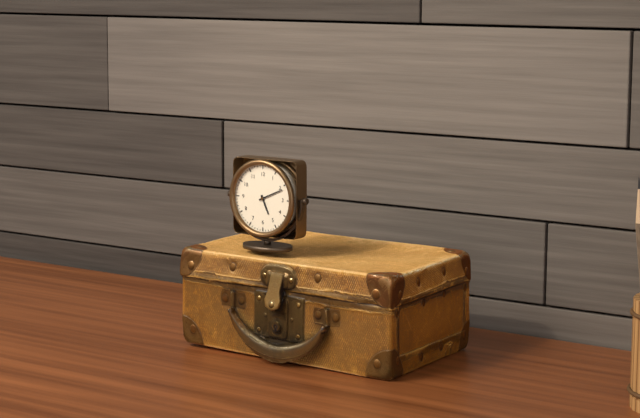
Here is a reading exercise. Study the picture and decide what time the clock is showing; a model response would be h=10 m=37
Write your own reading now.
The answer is h=5 m=11
